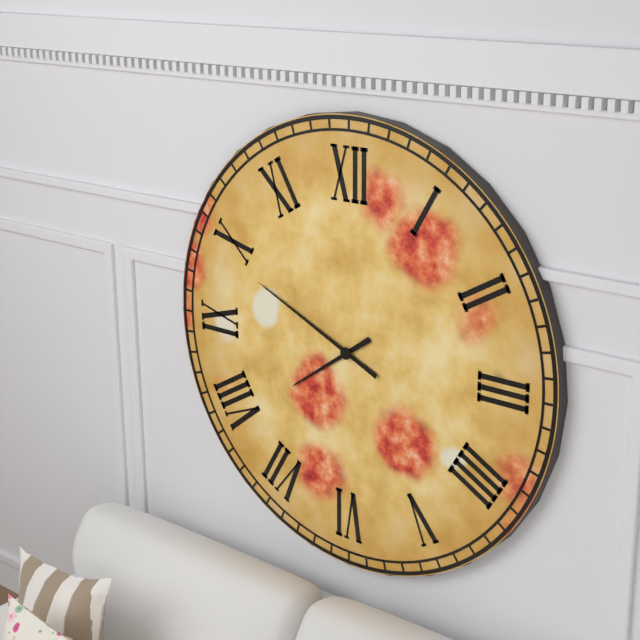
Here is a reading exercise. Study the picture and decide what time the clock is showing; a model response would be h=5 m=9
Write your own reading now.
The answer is h=7 m=49
